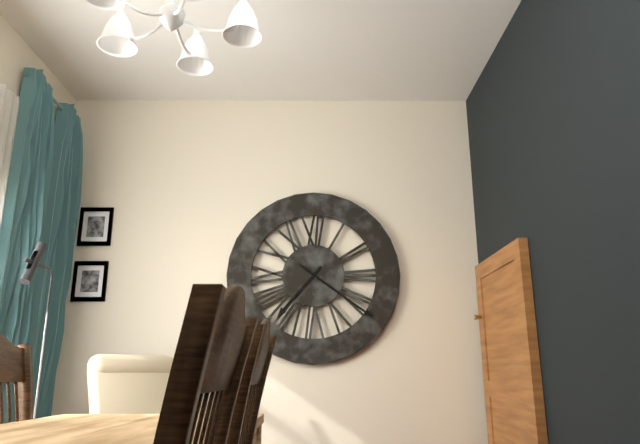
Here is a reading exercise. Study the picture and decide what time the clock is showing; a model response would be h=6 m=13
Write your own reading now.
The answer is h=7 m=21
